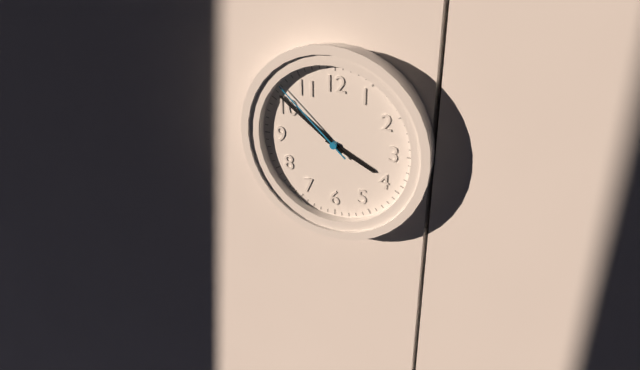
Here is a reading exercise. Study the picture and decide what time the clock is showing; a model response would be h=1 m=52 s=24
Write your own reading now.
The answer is h=3 m=51 s=52
